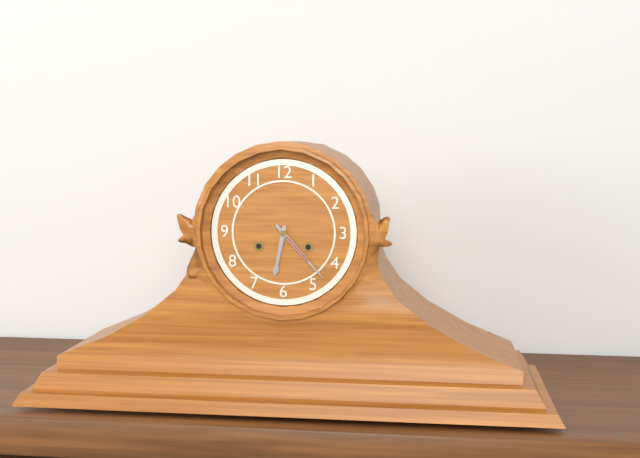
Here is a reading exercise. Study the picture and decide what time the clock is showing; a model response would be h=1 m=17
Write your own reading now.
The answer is h=6 m=23
